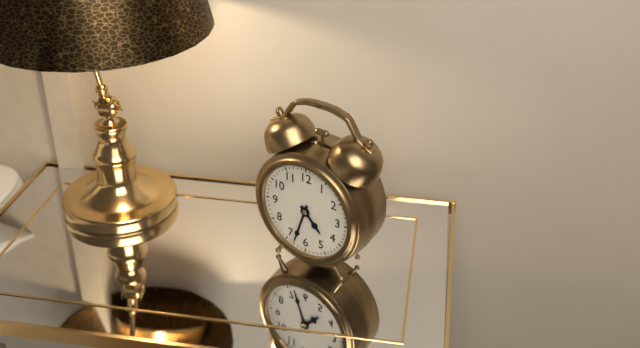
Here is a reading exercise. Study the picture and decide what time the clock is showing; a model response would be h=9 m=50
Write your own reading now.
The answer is h=4 m=33
